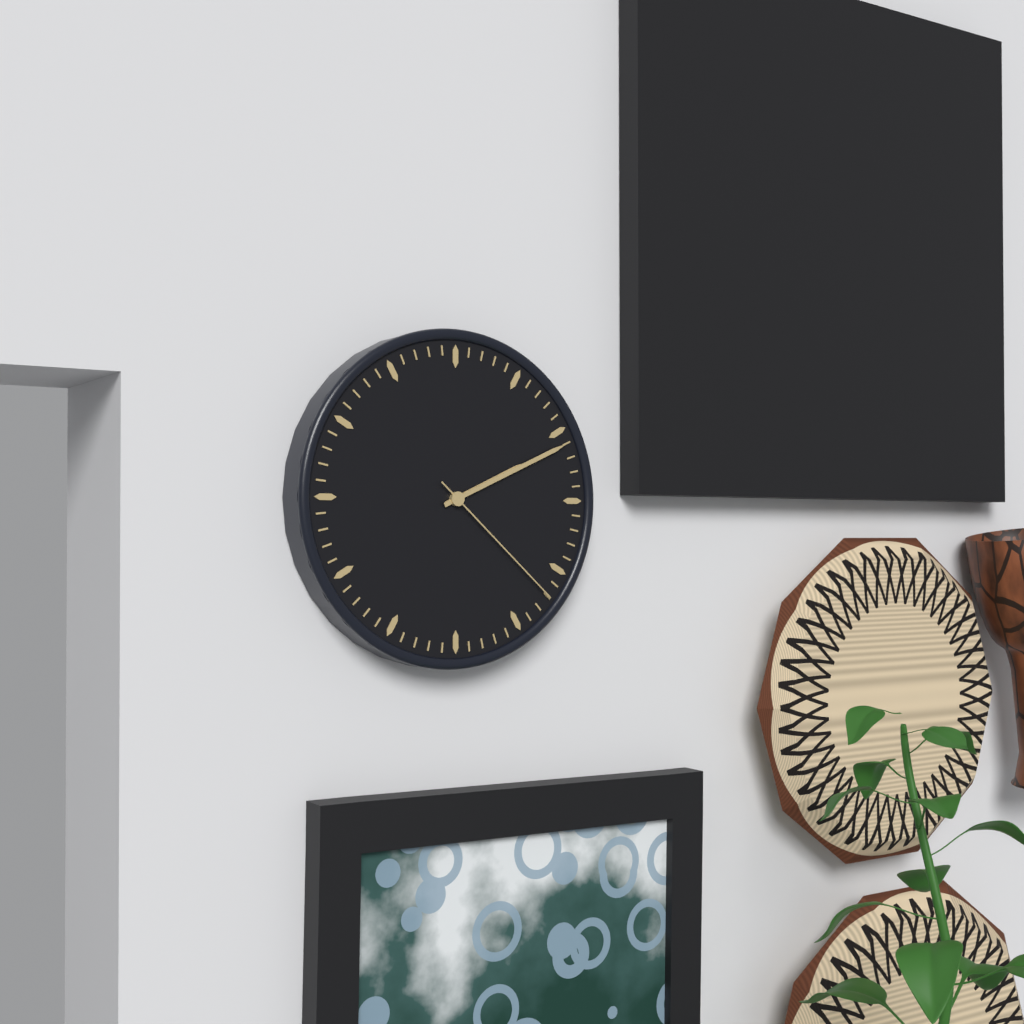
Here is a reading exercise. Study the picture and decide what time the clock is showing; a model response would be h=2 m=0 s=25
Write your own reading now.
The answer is h=2 m=11 s=22
